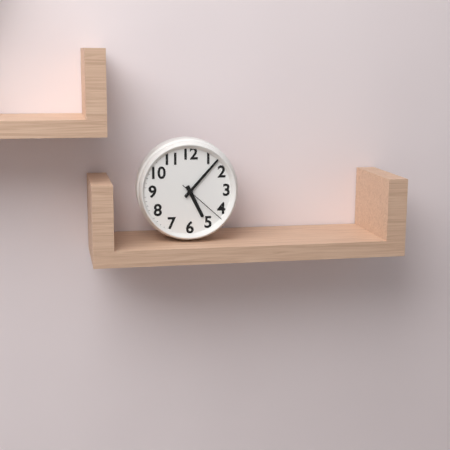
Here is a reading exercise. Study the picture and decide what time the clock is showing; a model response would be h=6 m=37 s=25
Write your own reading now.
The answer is h=5 m=7 s=22
